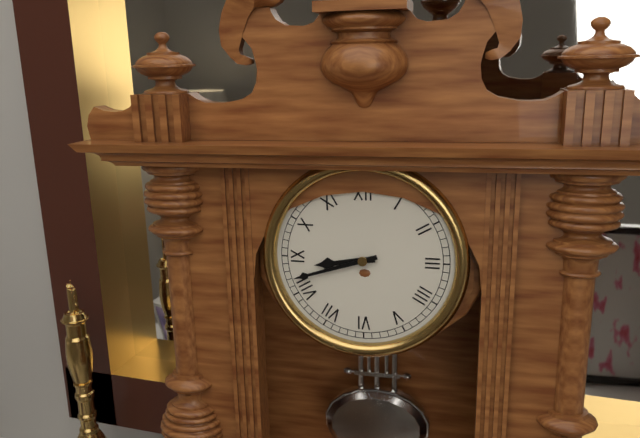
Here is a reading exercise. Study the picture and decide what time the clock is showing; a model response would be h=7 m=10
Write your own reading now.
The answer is h=8 m=42
